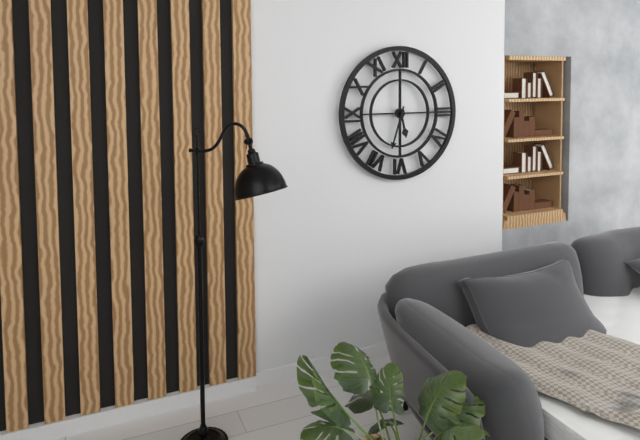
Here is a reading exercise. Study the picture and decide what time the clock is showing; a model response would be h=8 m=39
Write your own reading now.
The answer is h=5 m=33
